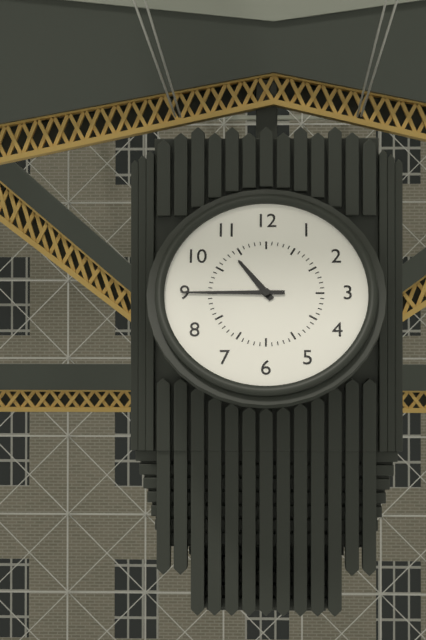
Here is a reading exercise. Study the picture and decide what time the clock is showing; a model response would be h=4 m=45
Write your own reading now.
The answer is h=10 m=45
